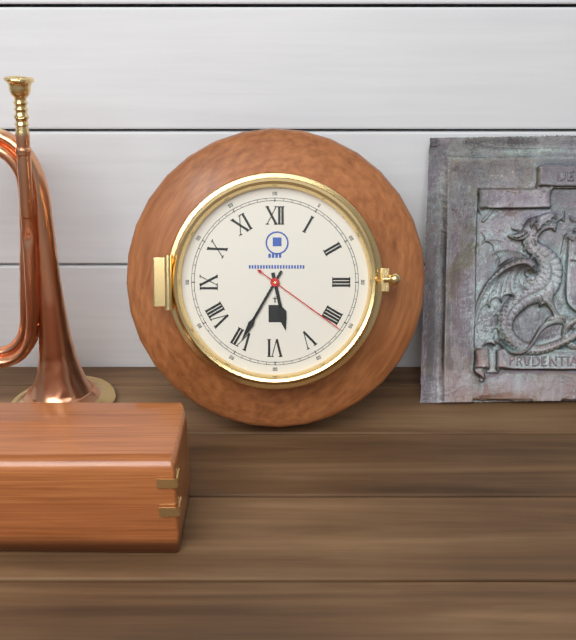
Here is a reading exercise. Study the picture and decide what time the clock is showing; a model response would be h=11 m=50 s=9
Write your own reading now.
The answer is h=5 m=35 s=21
